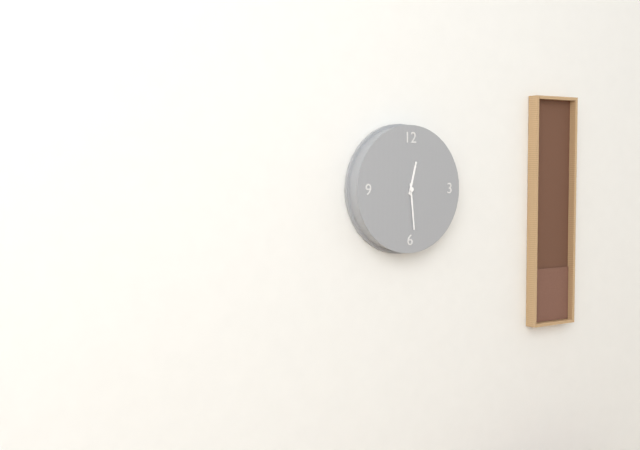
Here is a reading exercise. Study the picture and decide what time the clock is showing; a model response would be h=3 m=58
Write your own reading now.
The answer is h=12 m=29
